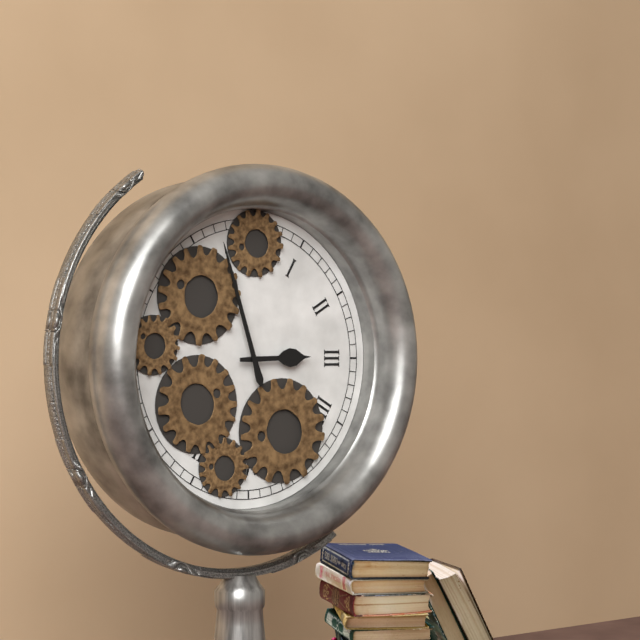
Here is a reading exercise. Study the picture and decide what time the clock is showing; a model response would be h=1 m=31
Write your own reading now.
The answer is h=2 m=57
